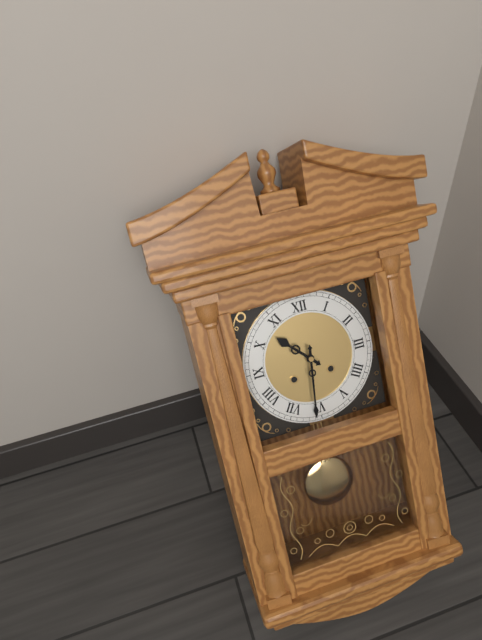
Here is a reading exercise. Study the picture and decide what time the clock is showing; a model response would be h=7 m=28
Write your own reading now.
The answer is h=10 m=31
